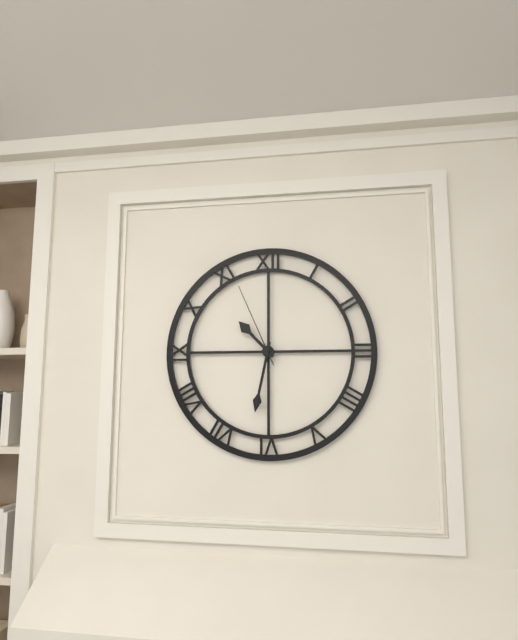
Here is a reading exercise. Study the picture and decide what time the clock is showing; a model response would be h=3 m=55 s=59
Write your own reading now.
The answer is h=10 m=32 s=56
